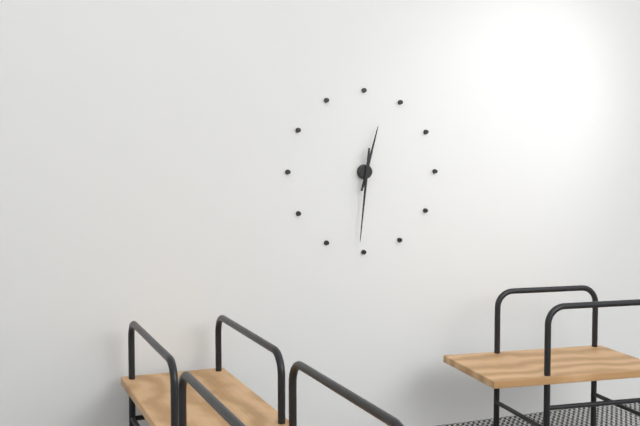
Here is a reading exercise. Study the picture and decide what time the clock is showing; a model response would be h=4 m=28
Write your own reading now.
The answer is h=12 m=31
